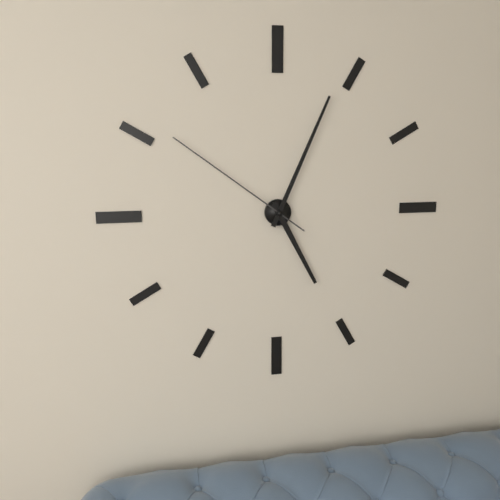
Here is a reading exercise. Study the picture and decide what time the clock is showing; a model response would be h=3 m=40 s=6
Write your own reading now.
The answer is h=5 m=4 s=51
